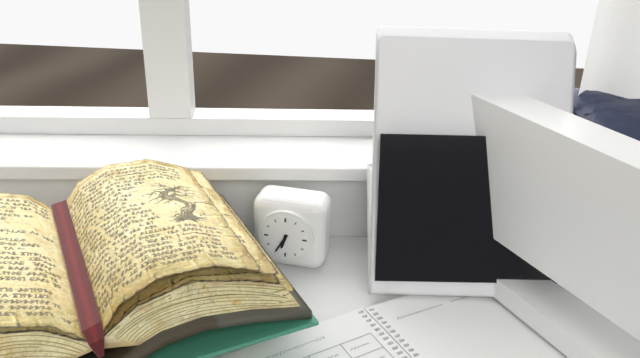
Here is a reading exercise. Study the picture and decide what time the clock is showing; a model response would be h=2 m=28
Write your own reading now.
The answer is h=6 m=35
